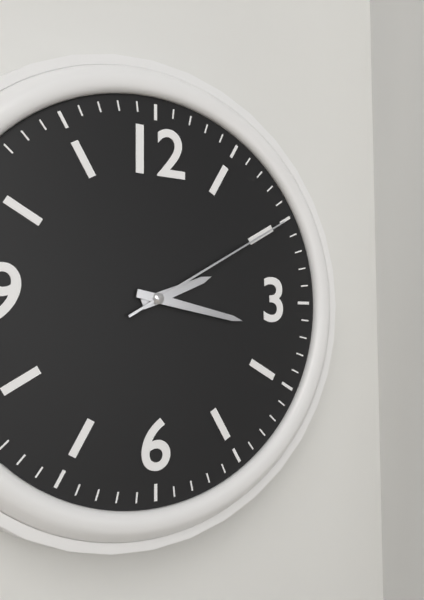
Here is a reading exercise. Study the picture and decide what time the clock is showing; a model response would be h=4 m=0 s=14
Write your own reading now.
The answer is h=2 m=17 s=10
